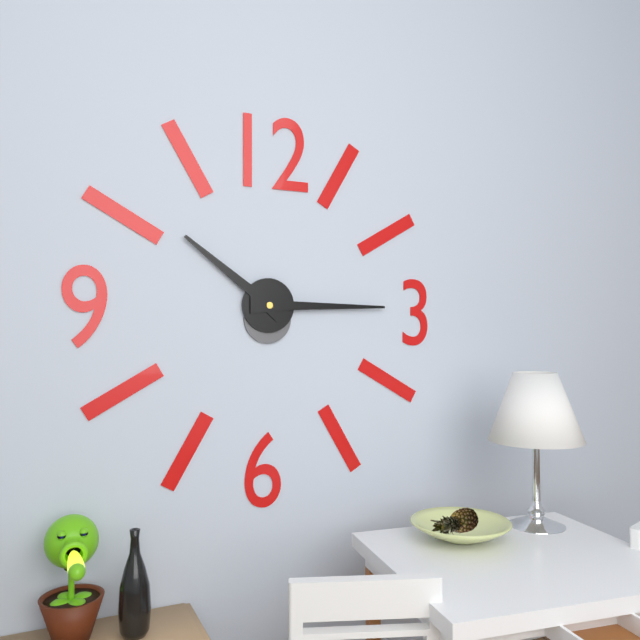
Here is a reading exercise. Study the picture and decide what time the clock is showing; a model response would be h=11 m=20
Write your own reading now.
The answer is h=10 m=15
